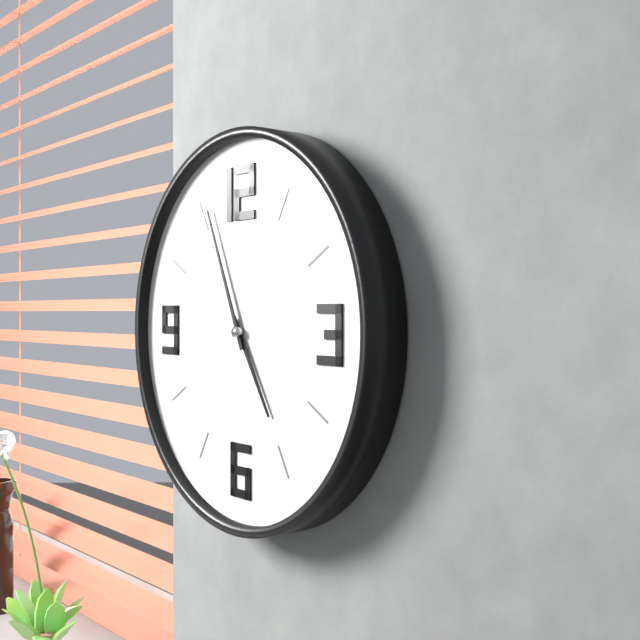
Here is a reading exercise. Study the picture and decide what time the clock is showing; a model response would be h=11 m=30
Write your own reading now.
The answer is h=4 m=56
